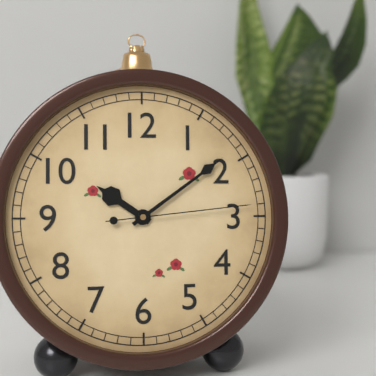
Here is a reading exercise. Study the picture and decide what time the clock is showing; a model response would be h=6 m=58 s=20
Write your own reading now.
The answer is h=10 m=9 s=14
